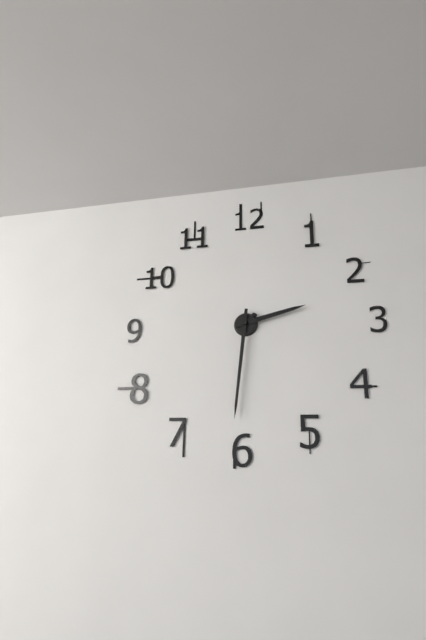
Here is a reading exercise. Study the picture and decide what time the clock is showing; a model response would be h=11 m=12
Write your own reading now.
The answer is h=2 m=31
